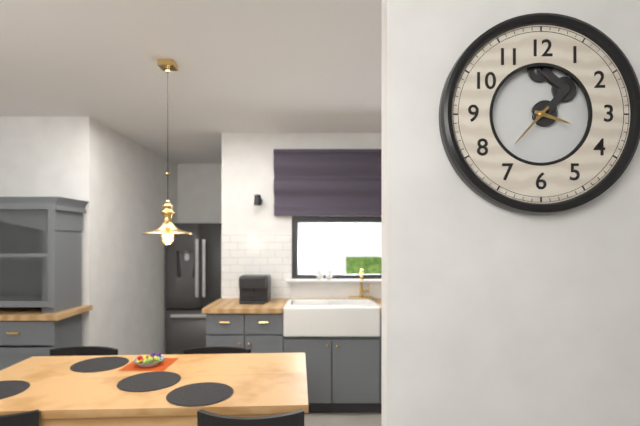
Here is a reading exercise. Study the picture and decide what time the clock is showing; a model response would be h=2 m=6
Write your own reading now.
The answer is h=3 m=37
